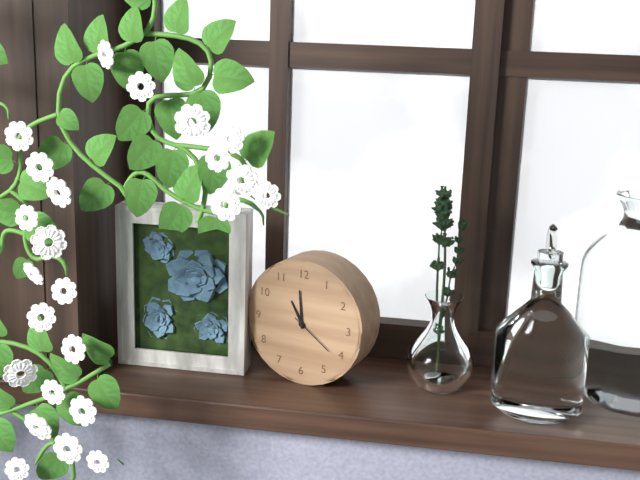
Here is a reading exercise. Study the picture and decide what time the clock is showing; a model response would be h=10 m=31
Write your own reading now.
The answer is h=10 m=59
